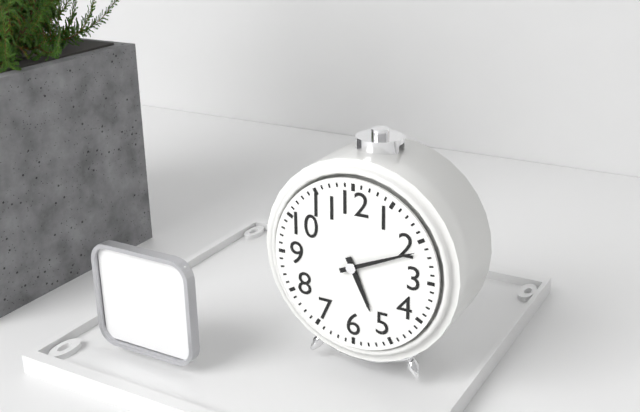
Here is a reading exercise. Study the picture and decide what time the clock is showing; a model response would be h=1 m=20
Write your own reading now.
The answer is h=5 m=11
